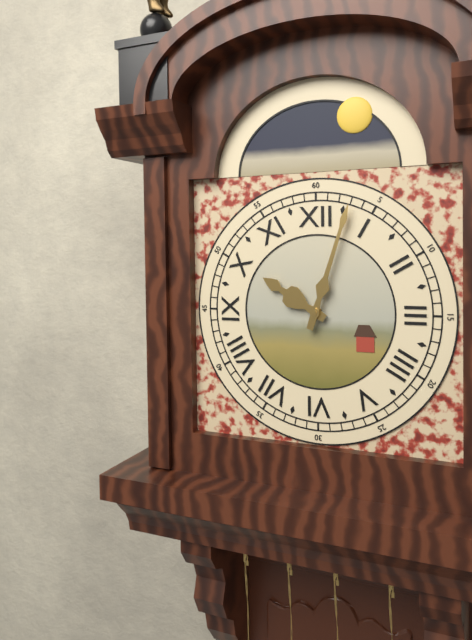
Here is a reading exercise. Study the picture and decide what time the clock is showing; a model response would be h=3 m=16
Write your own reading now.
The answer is h=10 m=3
